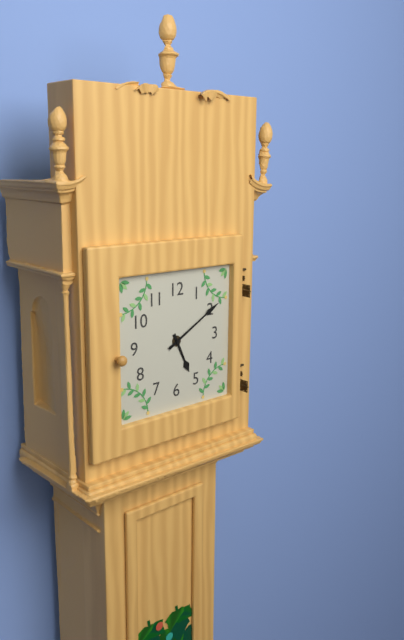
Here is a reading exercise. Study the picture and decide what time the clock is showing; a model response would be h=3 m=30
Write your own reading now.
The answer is h=5 m=10
